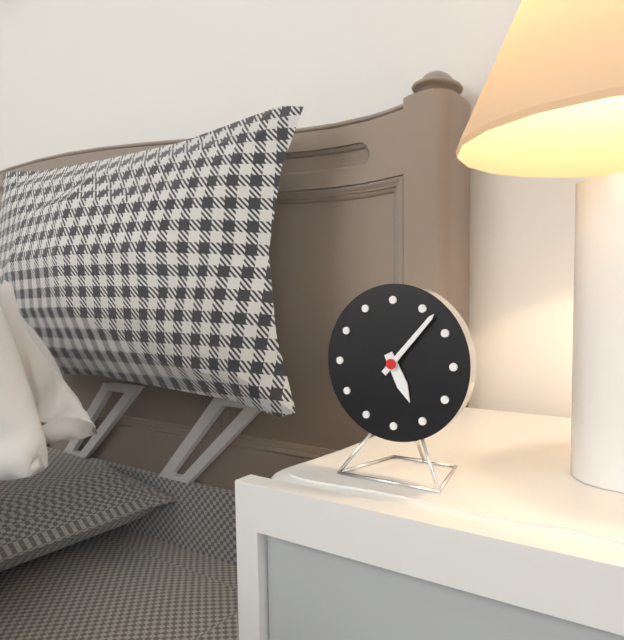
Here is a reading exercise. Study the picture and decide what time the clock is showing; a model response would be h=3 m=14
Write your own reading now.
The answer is h=5 m=7
